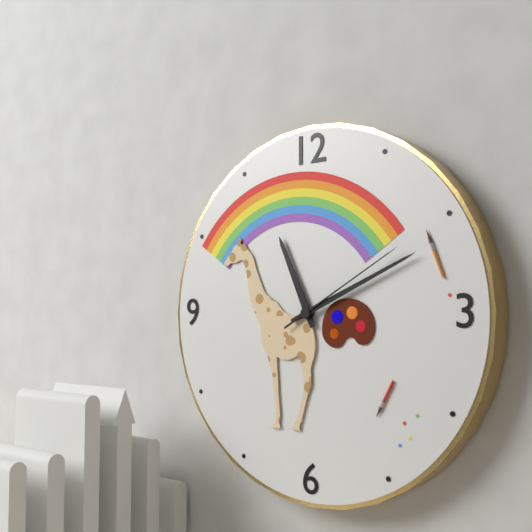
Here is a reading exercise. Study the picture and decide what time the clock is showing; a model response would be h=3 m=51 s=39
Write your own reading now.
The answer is h=11 m=11 s=10
